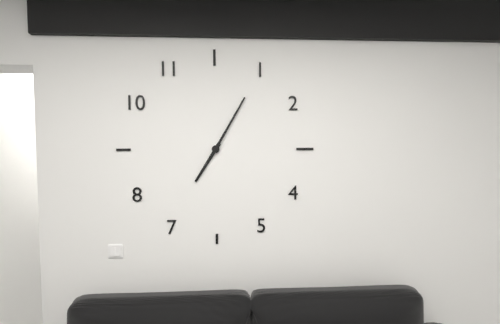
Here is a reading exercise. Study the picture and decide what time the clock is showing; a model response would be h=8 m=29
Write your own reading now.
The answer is h=7 m=5
